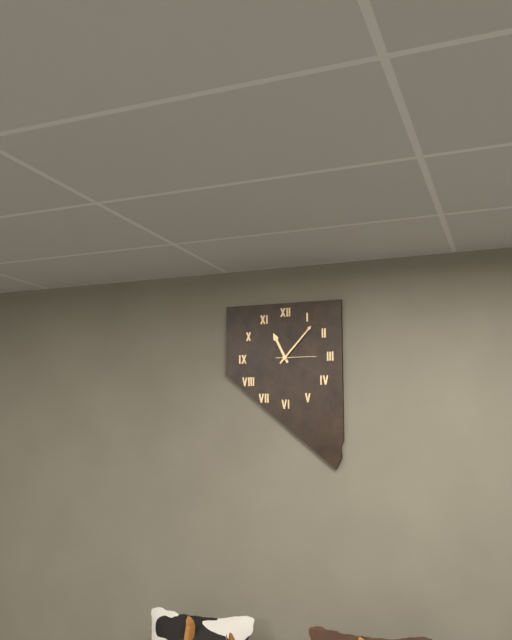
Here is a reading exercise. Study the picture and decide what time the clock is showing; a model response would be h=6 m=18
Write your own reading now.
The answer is h=11 m=7
